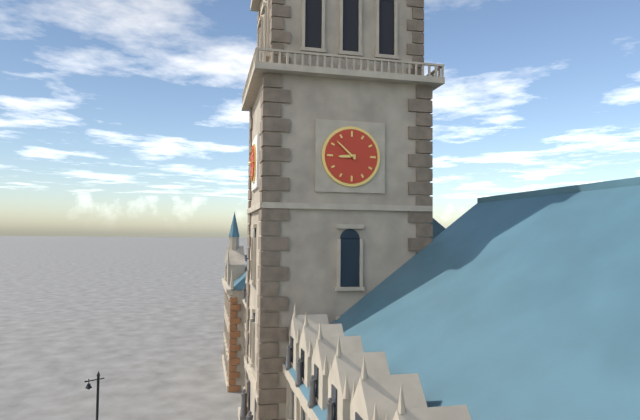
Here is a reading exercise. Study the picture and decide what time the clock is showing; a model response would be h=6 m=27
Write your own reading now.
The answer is h=8 m=52
